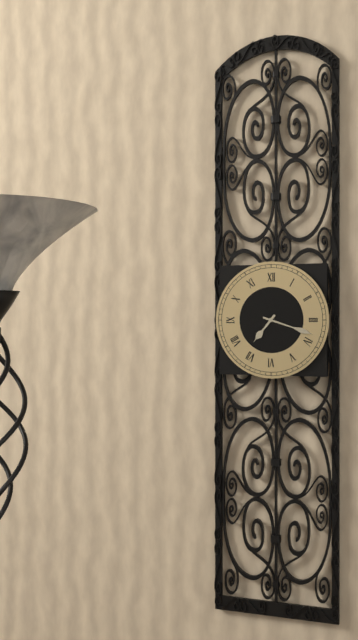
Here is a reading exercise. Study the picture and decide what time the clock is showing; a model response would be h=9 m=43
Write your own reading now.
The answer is h=7 m=18
